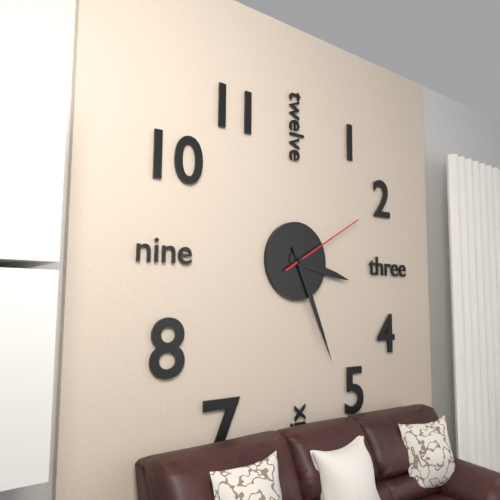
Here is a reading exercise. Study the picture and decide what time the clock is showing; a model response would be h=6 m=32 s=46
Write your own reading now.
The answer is h=3 m=26 s=10
